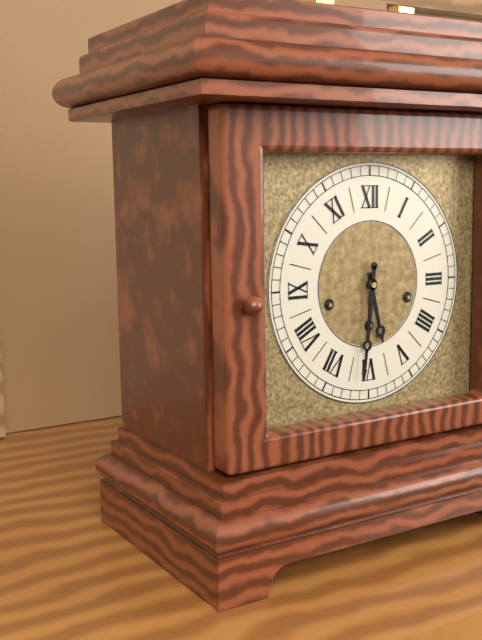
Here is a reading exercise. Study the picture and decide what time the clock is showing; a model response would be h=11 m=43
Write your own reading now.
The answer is h=5 m=31
